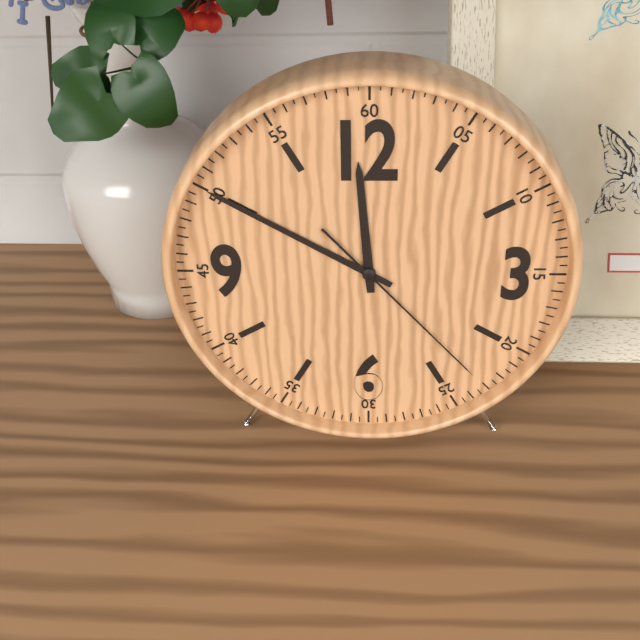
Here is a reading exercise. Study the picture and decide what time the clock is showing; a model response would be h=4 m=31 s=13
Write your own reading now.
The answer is h=11 m=50 s=23
